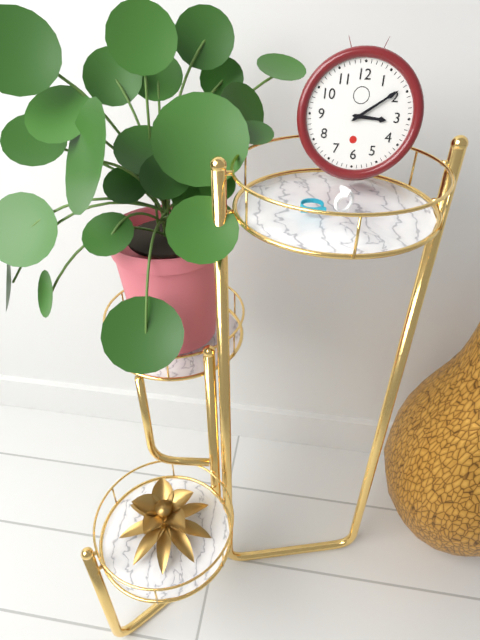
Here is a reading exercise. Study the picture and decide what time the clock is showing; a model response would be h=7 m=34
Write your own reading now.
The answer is h=3 m=9
